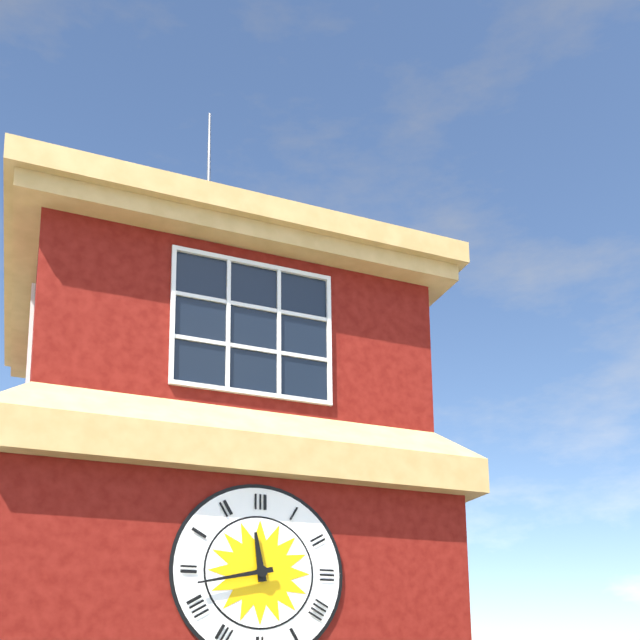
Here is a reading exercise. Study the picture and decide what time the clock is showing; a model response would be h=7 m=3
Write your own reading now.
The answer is h=11 m=43
